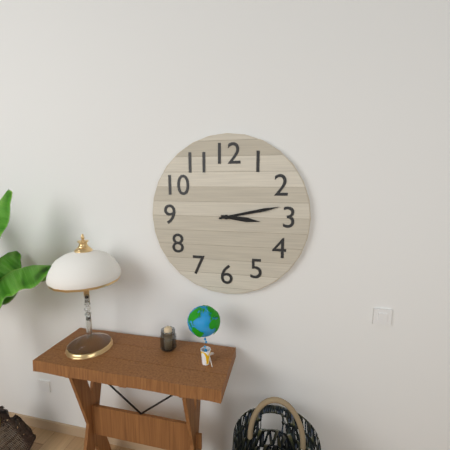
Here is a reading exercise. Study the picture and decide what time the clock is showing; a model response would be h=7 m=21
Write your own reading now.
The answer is h=3 m=13
